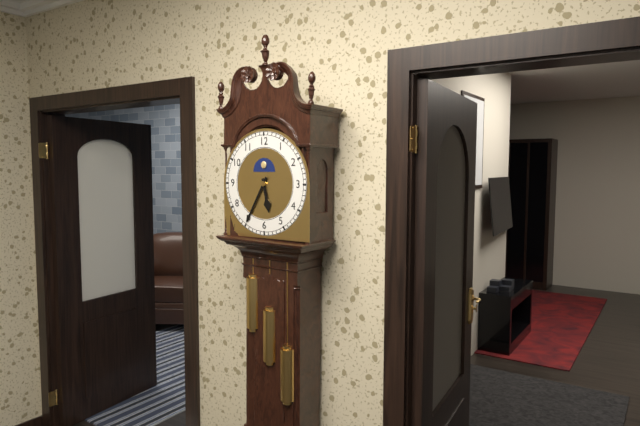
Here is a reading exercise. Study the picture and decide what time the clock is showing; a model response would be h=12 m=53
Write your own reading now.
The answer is h=5 m=35
